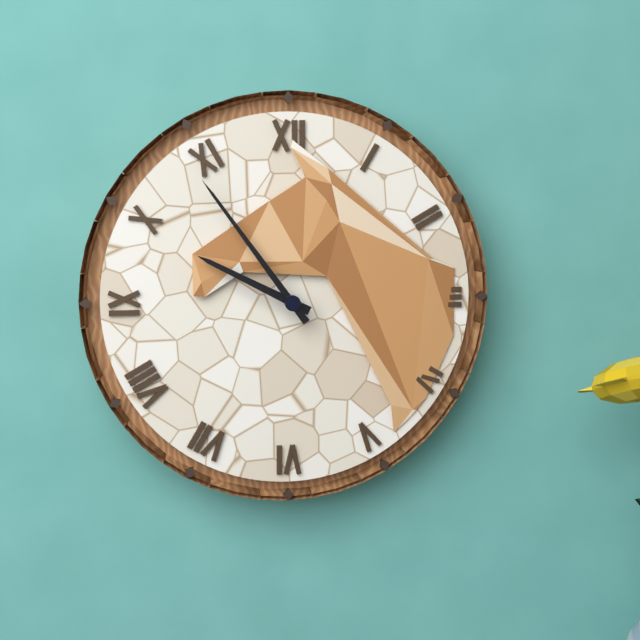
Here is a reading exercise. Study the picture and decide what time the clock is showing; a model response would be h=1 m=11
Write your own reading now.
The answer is h=9 m=54
